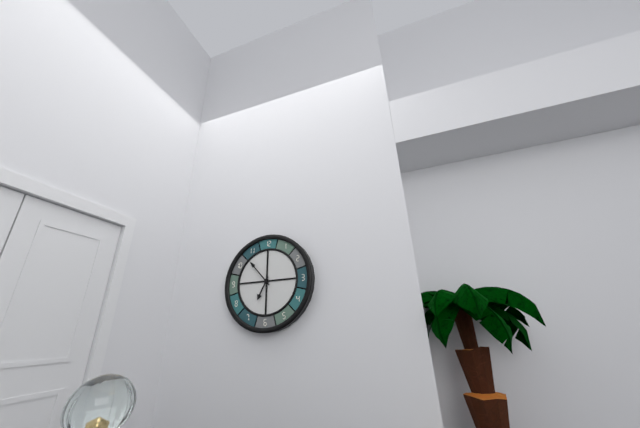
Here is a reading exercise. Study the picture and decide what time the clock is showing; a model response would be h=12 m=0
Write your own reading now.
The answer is h=6 m=53
